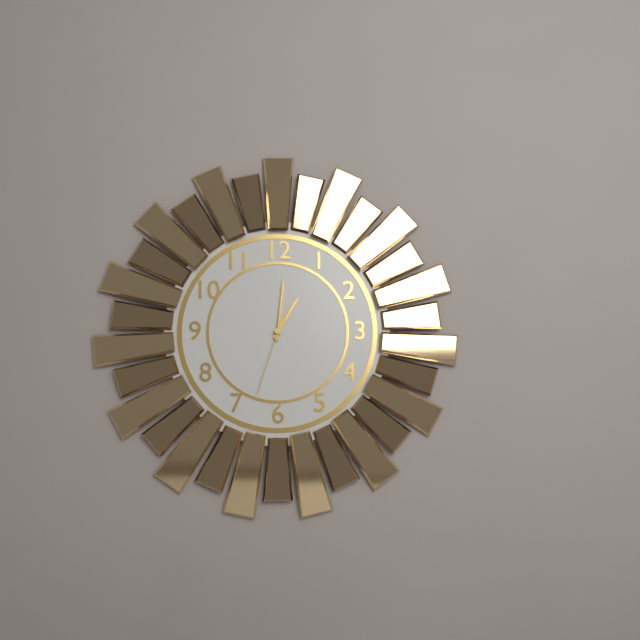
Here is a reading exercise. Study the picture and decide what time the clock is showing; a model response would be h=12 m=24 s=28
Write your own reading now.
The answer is h=1 m=1 s=33
